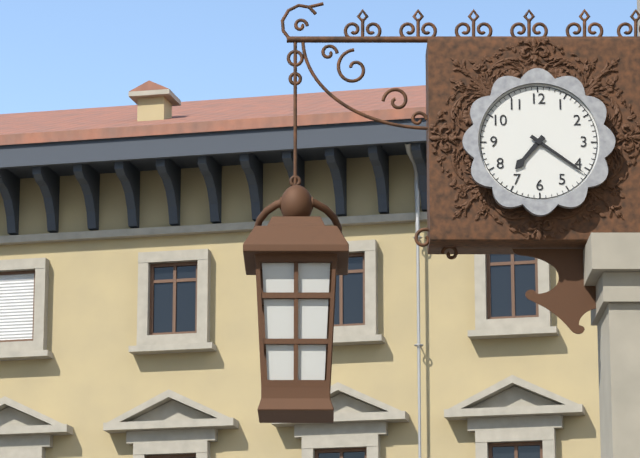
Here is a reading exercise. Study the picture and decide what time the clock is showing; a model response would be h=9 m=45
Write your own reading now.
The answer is h=7 m=21
